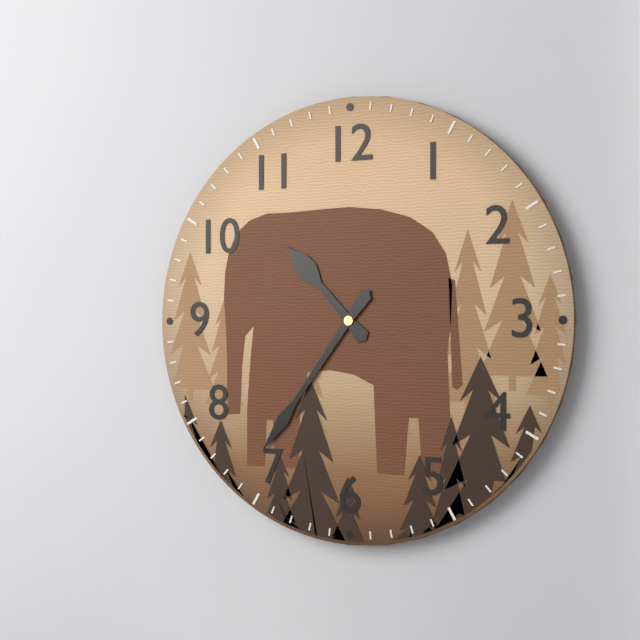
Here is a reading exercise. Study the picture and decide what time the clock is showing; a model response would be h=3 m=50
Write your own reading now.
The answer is h=10 m=36
